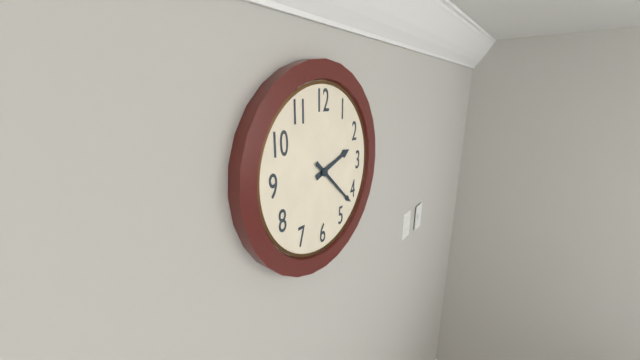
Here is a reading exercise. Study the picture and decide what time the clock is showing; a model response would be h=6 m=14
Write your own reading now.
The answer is h=2 m=22
